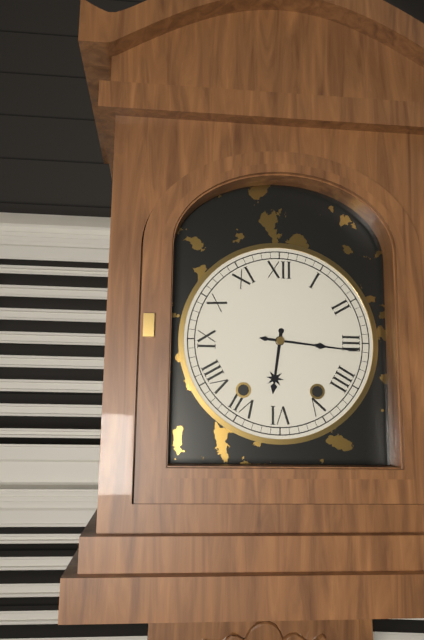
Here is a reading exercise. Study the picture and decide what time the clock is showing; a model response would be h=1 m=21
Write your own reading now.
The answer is h=6 m=16
